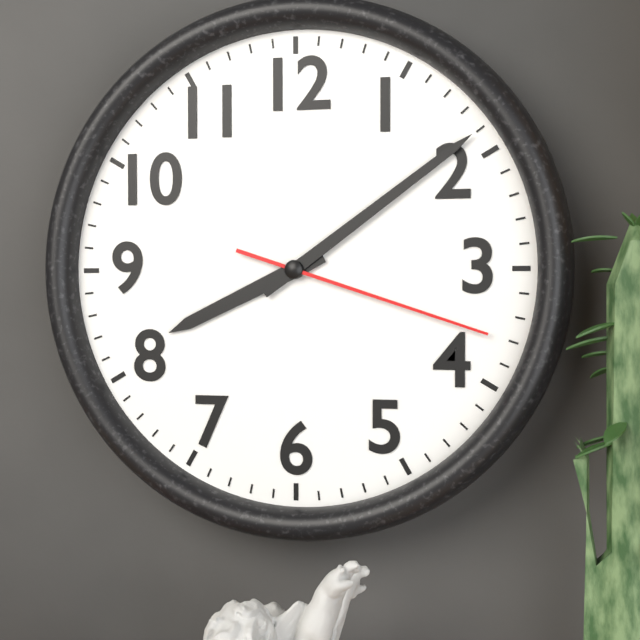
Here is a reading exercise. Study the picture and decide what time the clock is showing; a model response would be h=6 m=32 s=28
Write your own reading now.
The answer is h=8 m=9 s=18
